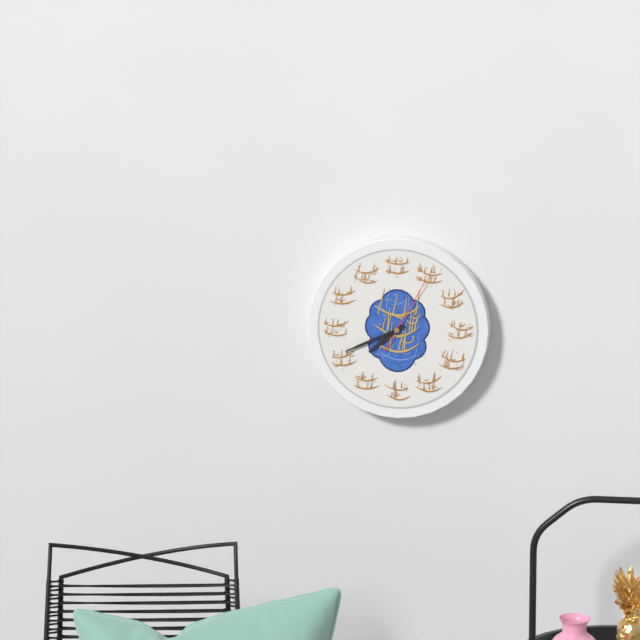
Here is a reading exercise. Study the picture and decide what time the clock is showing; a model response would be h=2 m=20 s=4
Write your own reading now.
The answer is h=7 m=41 s=5
